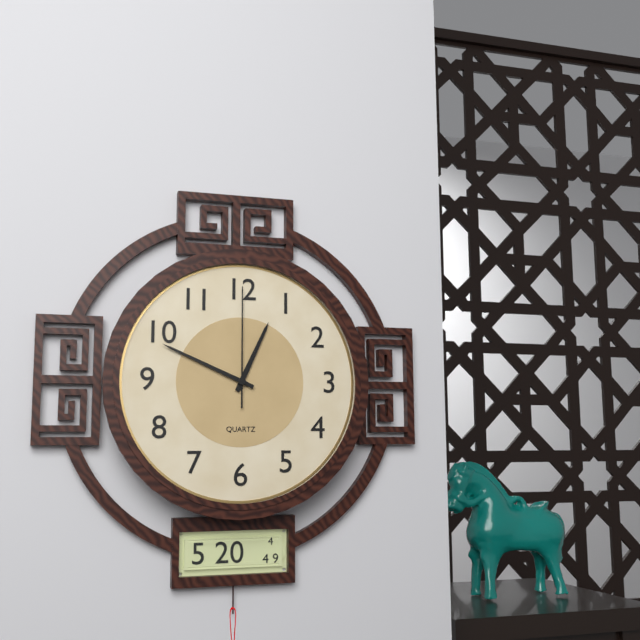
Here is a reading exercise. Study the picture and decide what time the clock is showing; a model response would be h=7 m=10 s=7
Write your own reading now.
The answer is h=12 m=49 s=0
